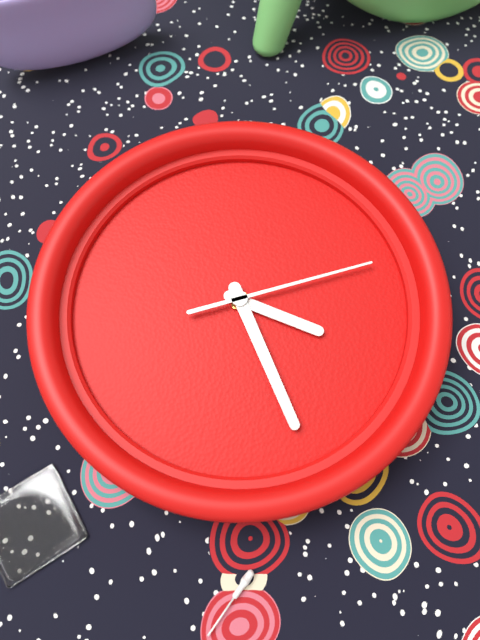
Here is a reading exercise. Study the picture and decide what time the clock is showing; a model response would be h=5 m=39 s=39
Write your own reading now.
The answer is h=4 m=30 s=16
